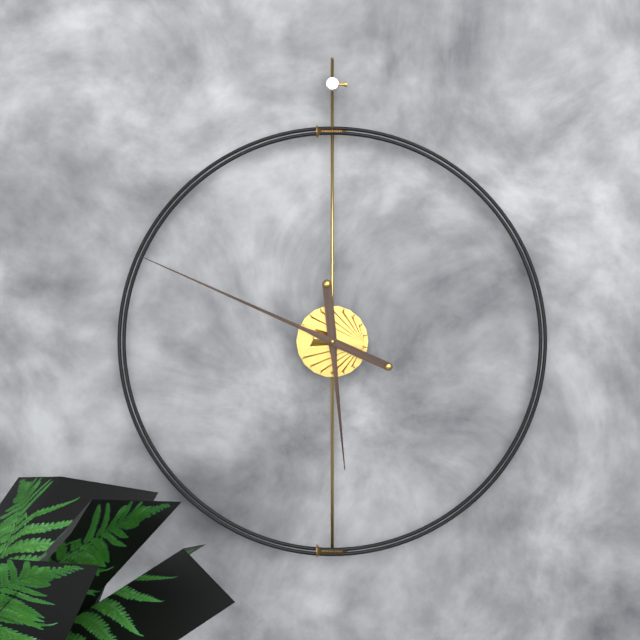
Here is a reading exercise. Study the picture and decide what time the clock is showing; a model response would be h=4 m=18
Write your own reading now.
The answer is h=5 m=49
